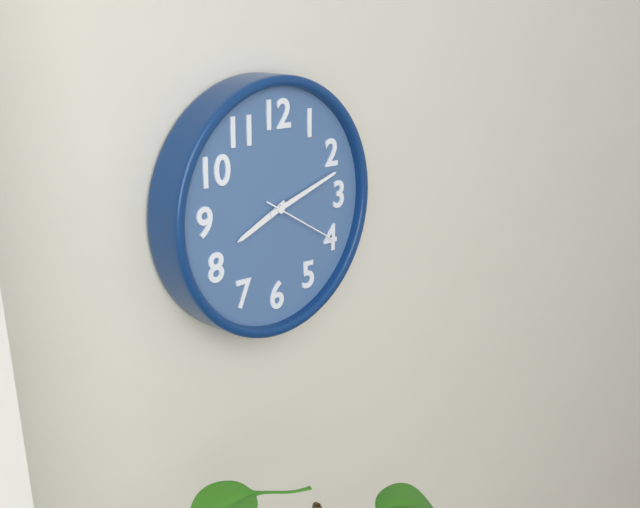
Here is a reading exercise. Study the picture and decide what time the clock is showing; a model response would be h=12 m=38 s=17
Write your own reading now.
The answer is h=8 m=12 s=20
